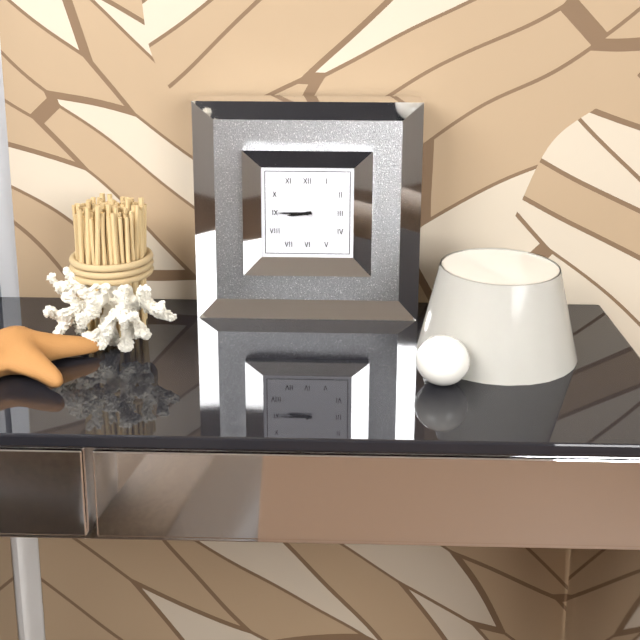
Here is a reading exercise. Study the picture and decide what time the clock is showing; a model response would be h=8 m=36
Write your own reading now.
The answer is h=8 m=45
